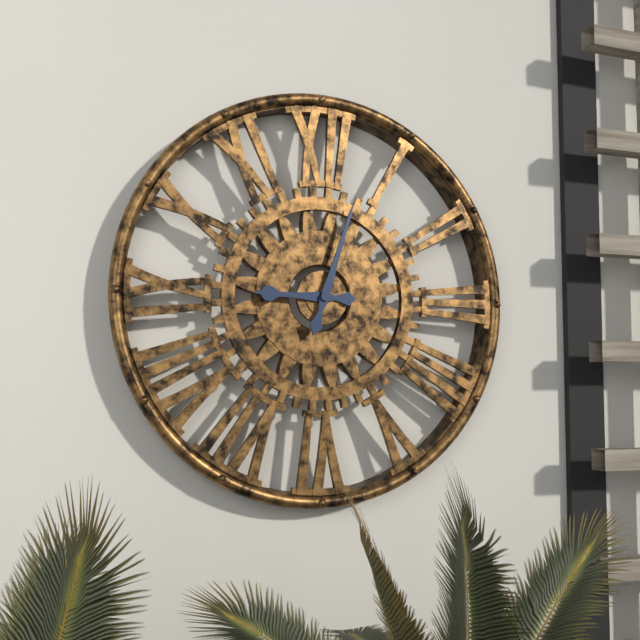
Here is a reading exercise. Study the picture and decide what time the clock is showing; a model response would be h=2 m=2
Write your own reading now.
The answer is h=9 m=3
